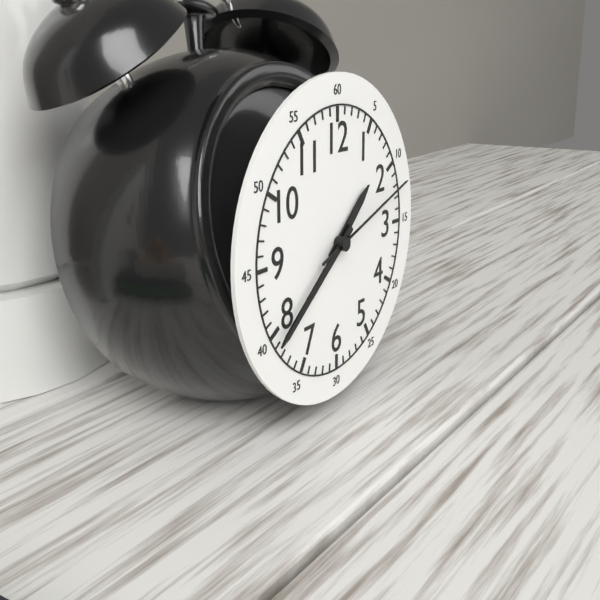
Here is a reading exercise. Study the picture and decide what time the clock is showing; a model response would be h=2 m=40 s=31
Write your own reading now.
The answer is h=1 m=39 s=12
